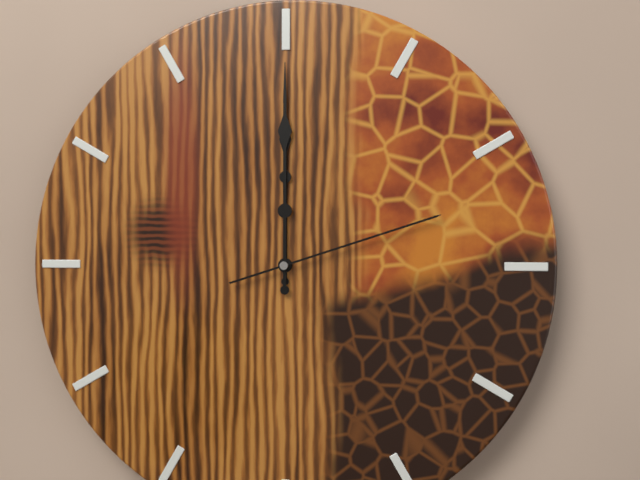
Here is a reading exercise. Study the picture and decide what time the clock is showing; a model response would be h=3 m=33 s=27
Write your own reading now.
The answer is h=12 m=0 s=12
